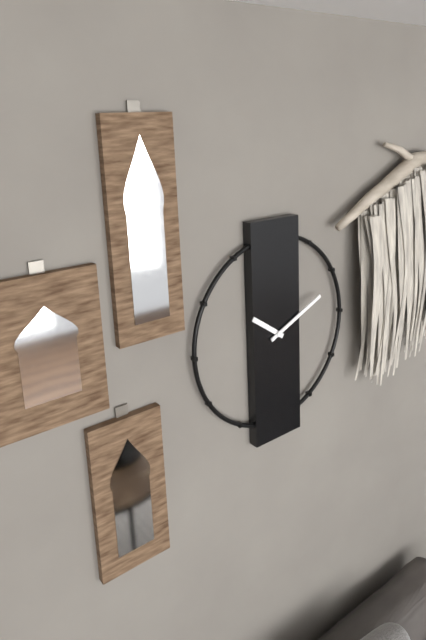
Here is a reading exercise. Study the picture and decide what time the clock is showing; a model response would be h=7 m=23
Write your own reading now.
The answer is h=10 m=11
